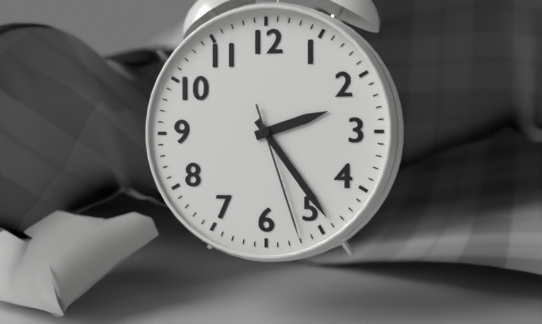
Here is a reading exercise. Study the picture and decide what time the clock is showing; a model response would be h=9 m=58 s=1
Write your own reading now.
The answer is h=2 m=24 s=27
